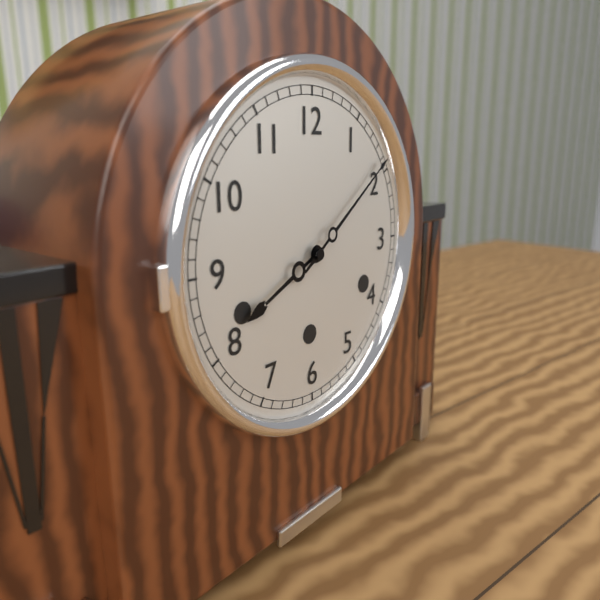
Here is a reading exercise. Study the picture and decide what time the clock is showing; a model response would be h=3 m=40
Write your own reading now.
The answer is h=8 m=9
